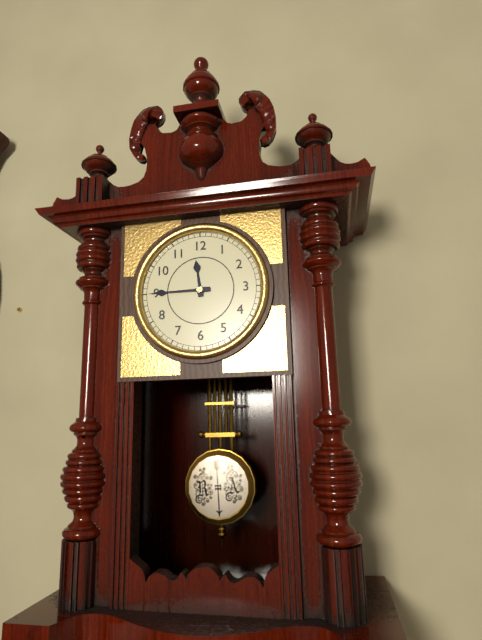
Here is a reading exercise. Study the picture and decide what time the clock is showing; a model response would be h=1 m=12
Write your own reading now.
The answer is h=11 m=45
